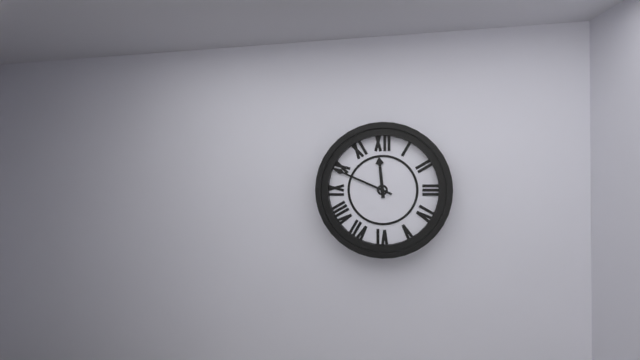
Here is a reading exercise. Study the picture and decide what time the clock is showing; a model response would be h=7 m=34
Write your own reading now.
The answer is h=11 m=49
